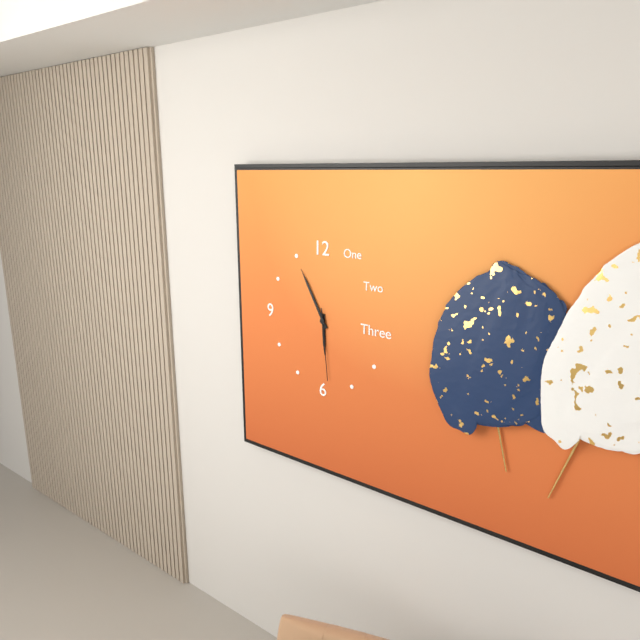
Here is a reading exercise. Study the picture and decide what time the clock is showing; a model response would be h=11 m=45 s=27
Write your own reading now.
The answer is h=5 m=55 s=29
